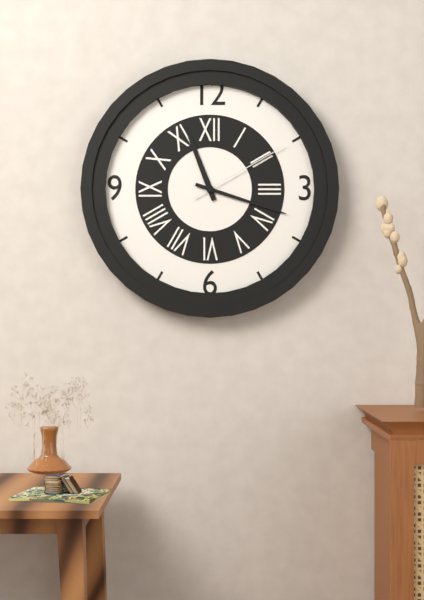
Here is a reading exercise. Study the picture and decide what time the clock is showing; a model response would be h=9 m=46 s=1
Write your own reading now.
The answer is h=11 m=18 s=10
